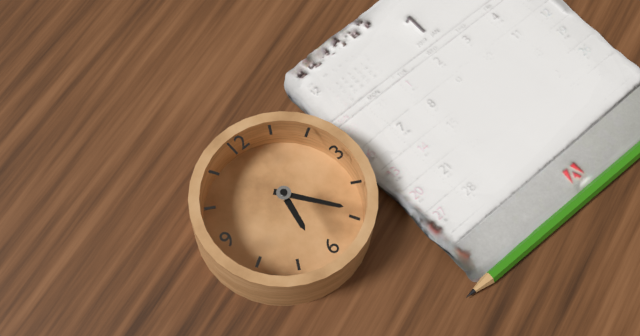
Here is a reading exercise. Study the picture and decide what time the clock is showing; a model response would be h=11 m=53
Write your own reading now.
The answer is h=6 m=24
